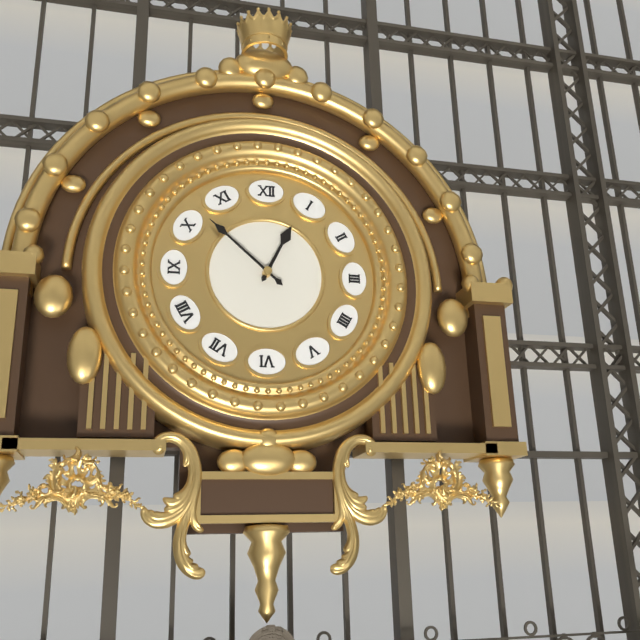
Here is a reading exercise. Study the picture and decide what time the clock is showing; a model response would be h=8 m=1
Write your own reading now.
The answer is h=12 m=52
